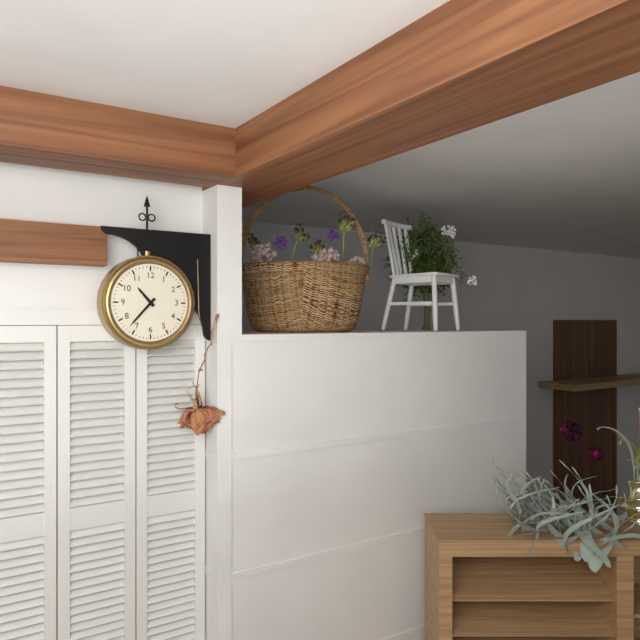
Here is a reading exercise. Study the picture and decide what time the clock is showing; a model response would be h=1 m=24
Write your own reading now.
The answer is h=10 m=37
